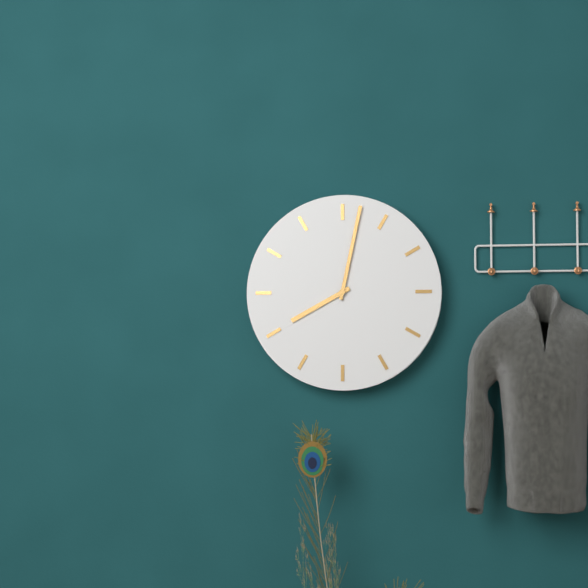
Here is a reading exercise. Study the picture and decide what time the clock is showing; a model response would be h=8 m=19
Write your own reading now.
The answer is h=8 m=2
